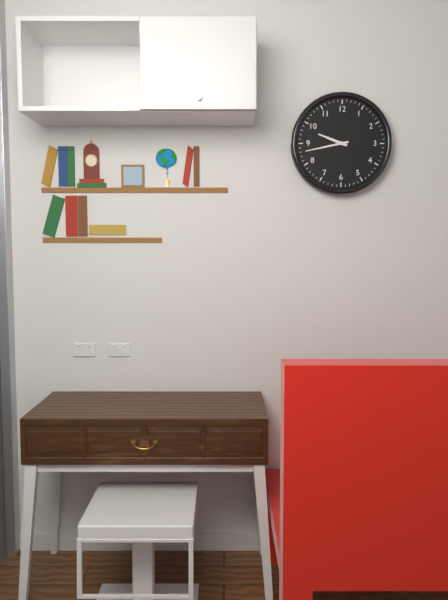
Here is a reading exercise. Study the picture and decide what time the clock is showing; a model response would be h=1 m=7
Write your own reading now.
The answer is h=9 m=43
